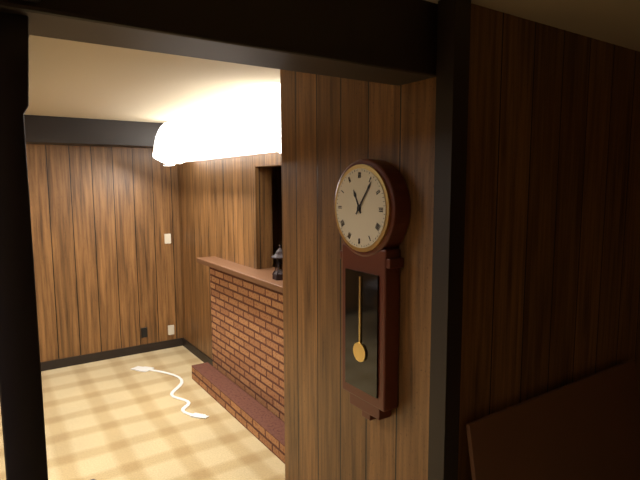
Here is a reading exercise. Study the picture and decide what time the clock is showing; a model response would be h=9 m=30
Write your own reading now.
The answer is h=11 m=6
